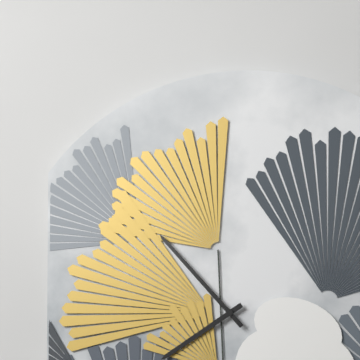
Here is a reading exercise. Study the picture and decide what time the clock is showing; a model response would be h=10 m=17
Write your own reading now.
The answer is h=7 m=53
